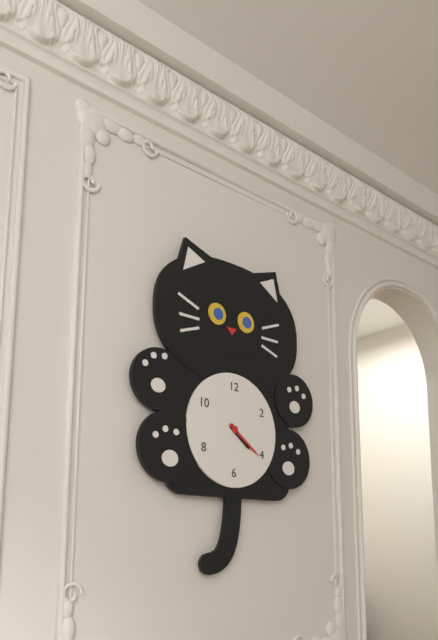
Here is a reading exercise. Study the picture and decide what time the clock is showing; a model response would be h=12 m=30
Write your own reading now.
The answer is h=4 m=21
